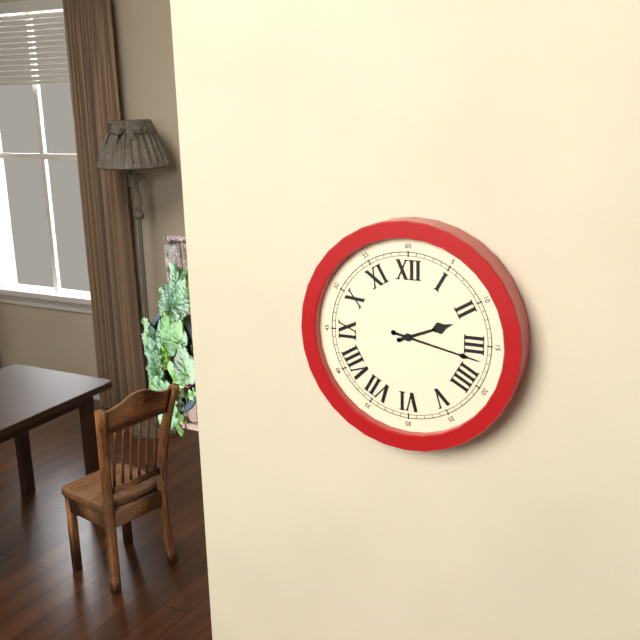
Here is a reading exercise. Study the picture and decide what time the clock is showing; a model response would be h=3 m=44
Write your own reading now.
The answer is h=2 m=17
